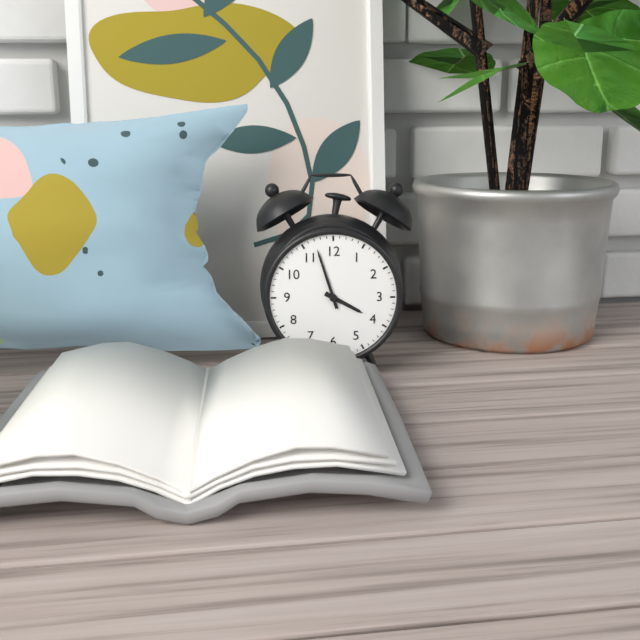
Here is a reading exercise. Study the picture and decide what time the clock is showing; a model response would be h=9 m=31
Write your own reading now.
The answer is h=3 m=57
